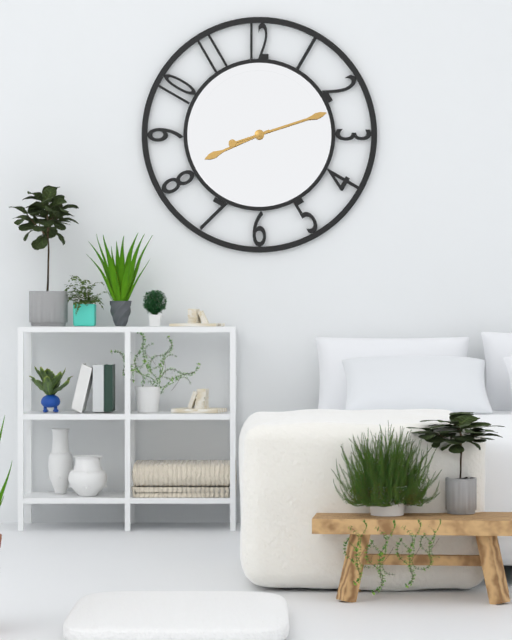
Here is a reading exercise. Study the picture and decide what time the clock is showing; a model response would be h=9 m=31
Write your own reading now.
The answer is h=8 m=12
